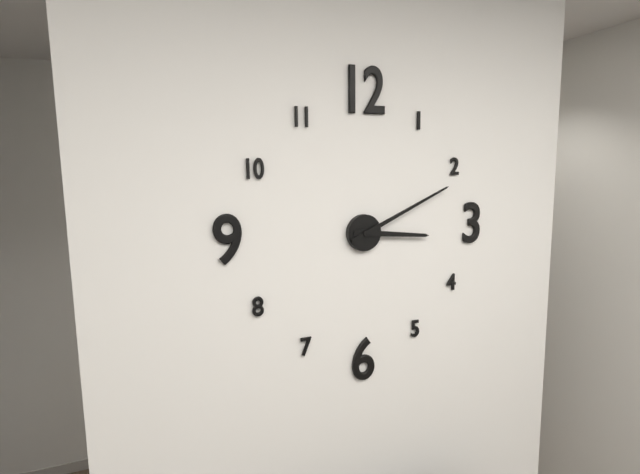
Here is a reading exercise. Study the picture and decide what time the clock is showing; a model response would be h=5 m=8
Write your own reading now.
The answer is h=3 m=11
